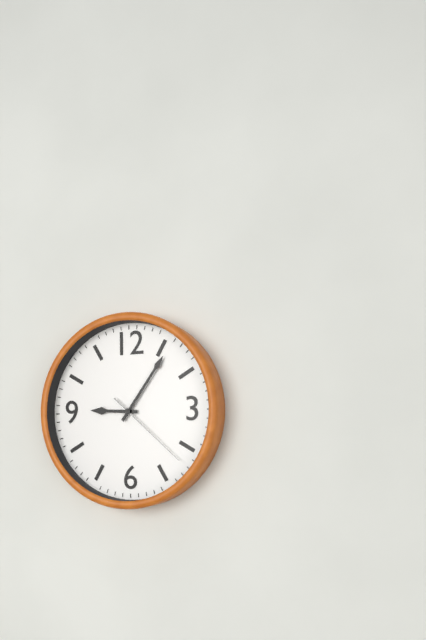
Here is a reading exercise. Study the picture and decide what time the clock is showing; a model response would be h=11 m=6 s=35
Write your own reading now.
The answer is h=9 m=6 s=22
